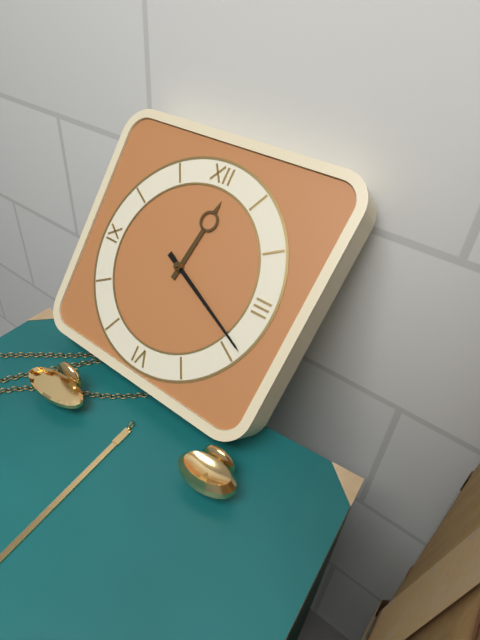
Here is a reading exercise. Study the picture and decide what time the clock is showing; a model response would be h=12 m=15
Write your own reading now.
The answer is h=12 m=19
